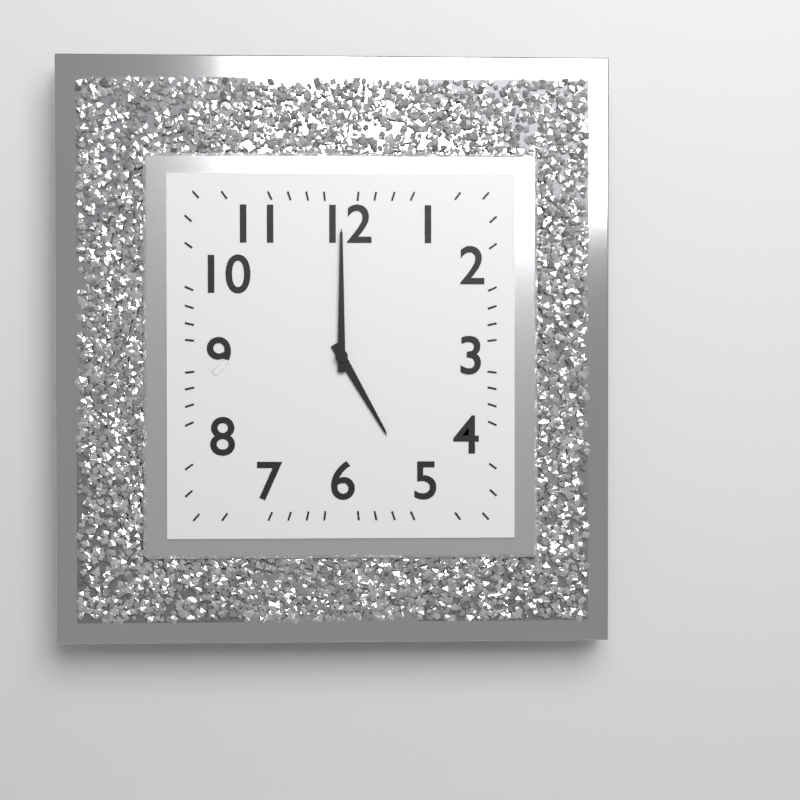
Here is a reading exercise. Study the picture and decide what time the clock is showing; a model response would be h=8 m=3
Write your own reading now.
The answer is h=5 m=0
